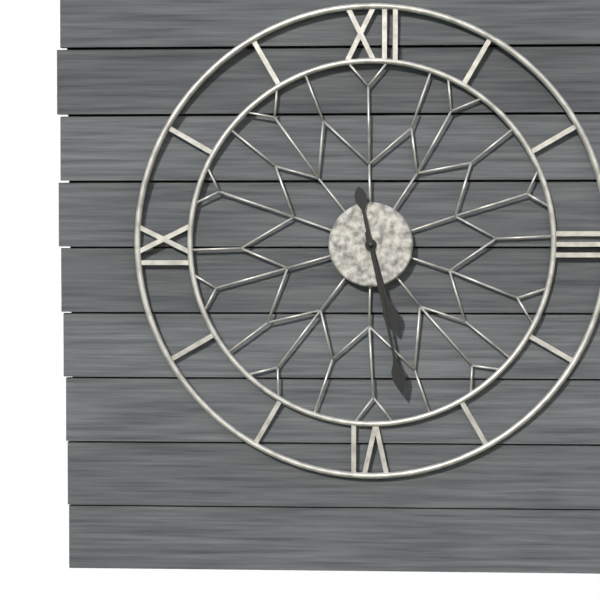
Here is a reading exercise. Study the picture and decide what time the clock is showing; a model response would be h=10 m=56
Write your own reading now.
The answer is h=5 m=28
